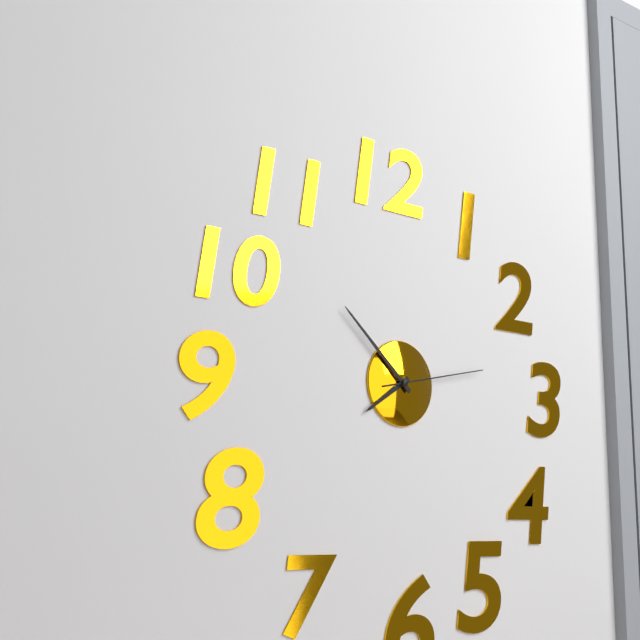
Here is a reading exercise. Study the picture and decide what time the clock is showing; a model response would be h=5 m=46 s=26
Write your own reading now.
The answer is h=7 m=52 s=13
